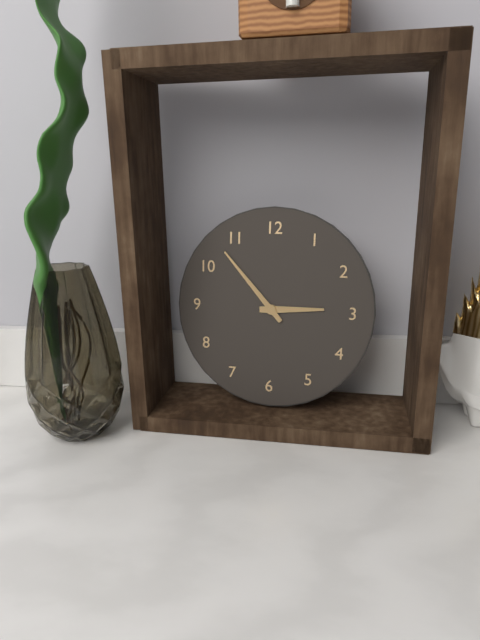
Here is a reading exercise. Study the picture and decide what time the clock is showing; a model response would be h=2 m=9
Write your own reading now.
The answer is h=2 m=53
